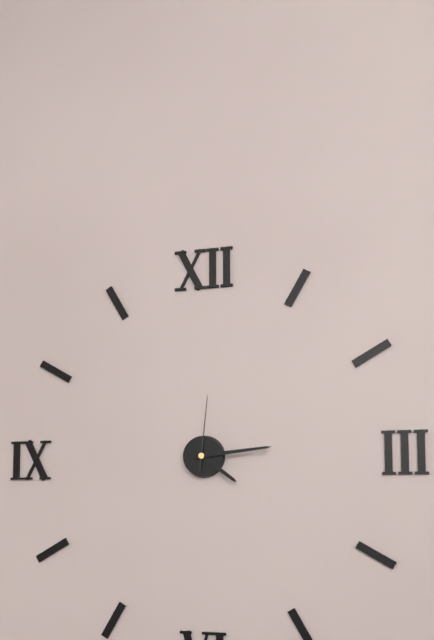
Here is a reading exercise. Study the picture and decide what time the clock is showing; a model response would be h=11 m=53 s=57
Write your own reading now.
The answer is h=4 m=14 s=1
